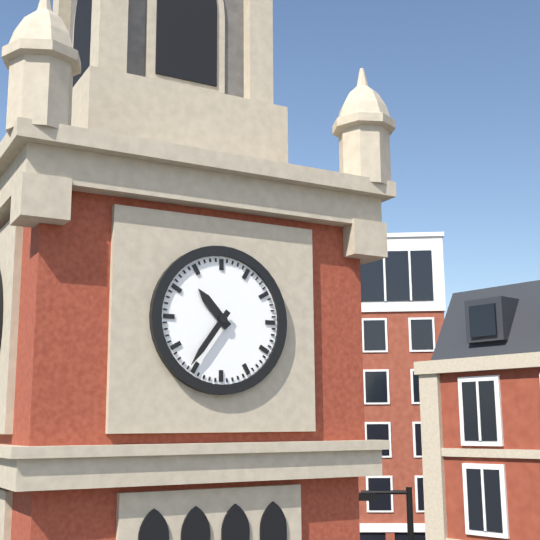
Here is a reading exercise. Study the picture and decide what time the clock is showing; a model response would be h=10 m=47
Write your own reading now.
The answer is h=10 m=36
